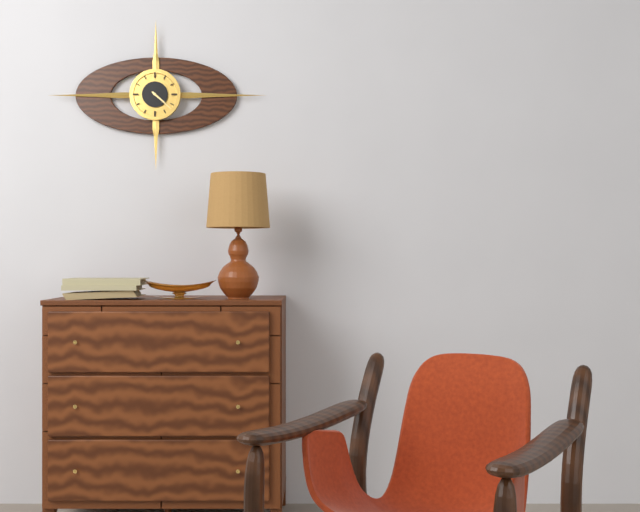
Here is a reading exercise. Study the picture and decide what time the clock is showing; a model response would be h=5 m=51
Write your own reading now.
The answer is h=4 m=22
